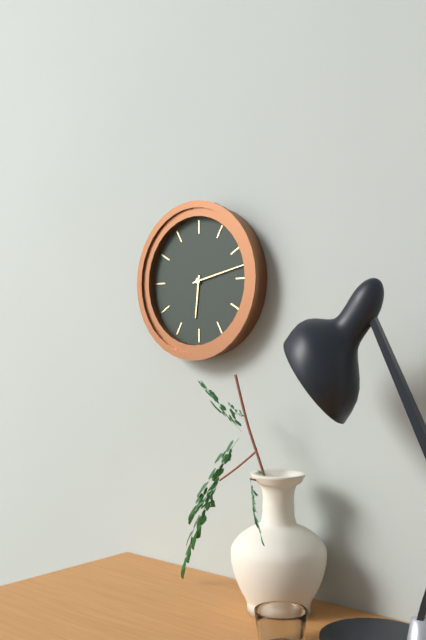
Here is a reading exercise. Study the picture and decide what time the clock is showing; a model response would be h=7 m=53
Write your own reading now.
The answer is h=6 m=13
